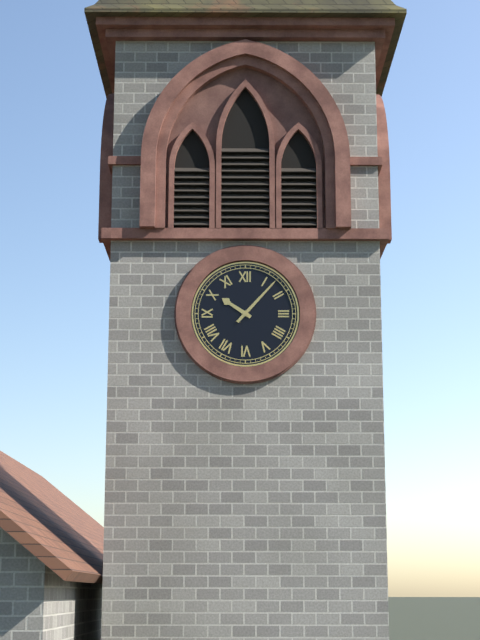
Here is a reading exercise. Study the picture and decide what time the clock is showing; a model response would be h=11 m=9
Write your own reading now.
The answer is h=10 m=7
